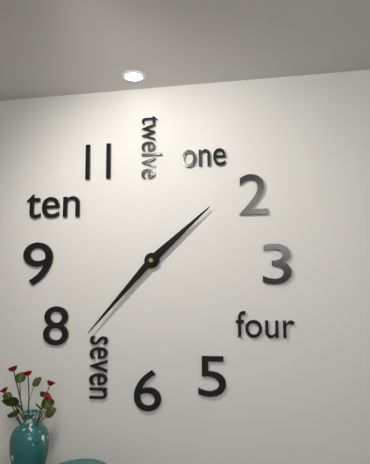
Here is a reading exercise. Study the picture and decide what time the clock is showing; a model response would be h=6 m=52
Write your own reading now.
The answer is h=1 m=37
